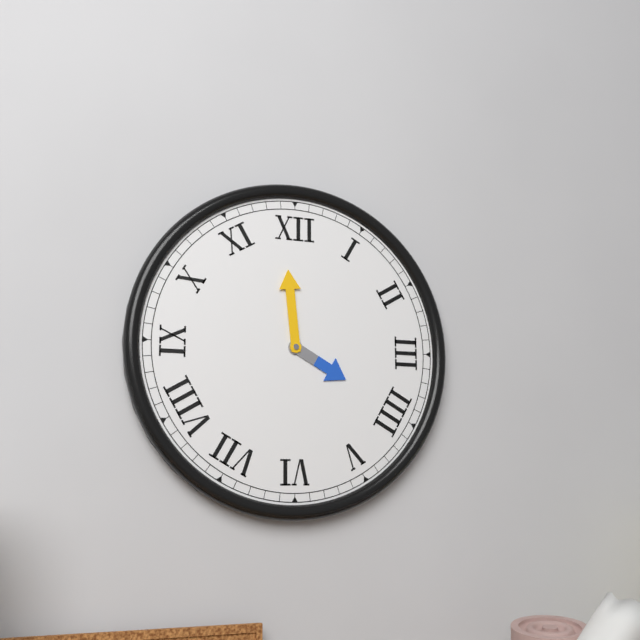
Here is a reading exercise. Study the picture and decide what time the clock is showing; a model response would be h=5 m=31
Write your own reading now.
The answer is h=3 m=59
